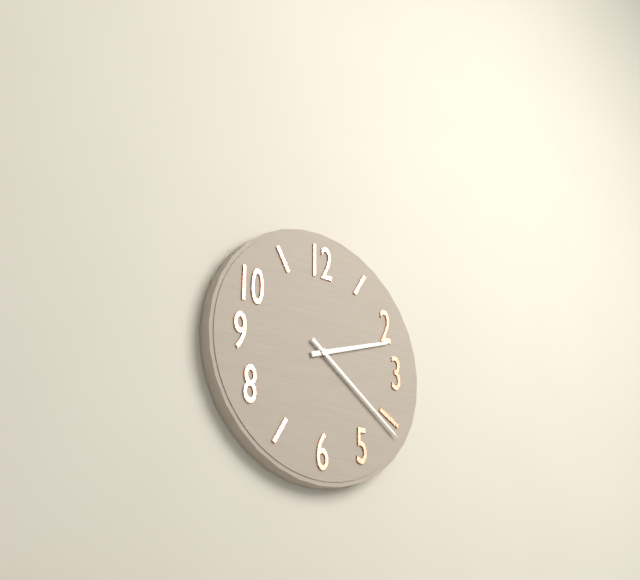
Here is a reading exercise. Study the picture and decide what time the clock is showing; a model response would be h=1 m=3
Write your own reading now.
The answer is h=2 m=21
